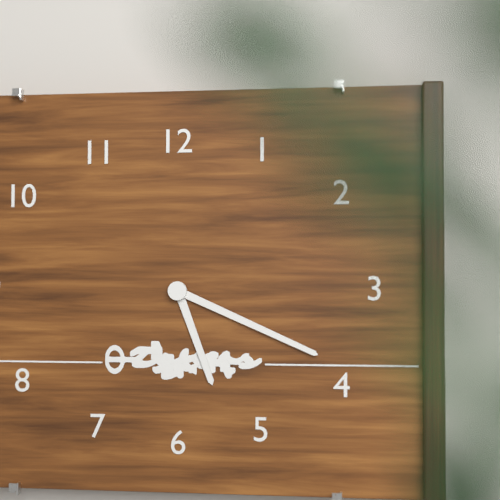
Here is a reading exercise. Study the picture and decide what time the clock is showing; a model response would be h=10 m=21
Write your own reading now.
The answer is h=5 m=19
